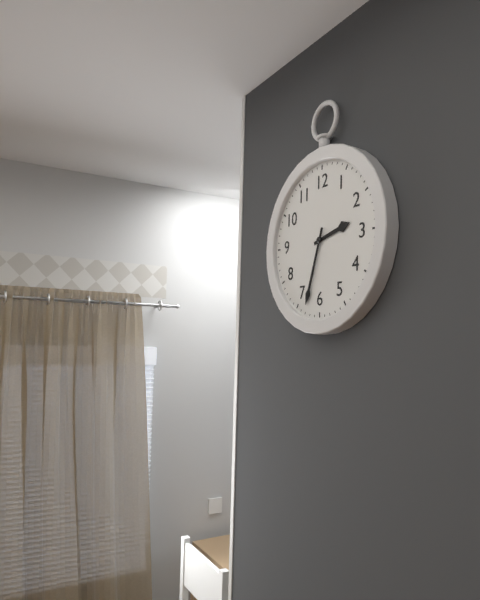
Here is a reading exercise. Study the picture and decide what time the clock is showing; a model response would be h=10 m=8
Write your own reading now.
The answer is h=2 m=33
